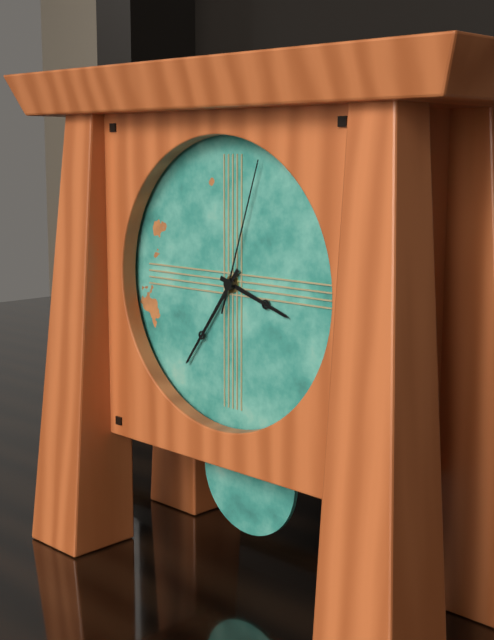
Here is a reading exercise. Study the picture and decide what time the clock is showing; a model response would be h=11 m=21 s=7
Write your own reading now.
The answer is h=3 m=36 s=3
